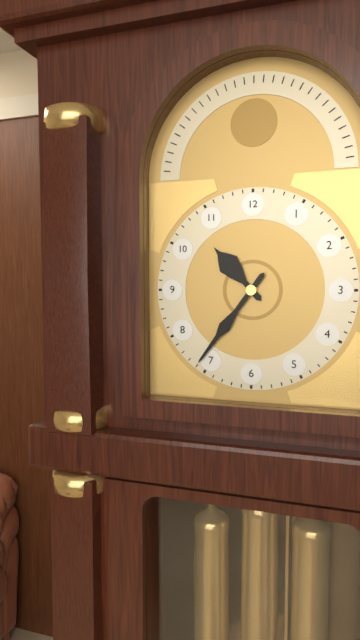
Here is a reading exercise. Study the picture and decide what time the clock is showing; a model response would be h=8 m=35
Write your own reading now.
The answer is h=10 m=36
